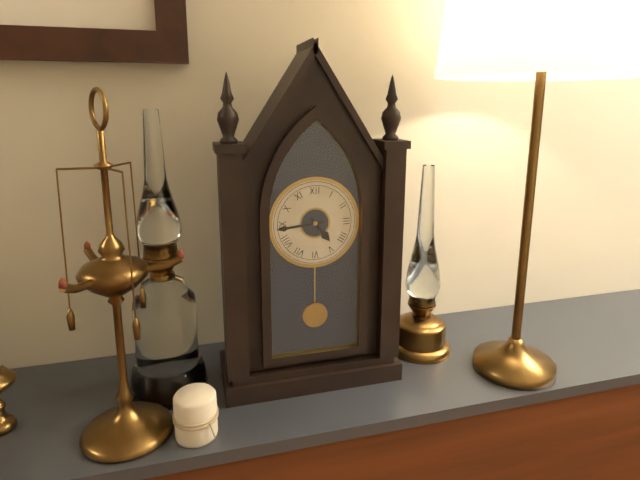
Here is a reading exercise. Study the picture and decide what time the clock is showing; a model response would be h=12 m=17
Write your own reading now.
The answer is h=4 m=44
